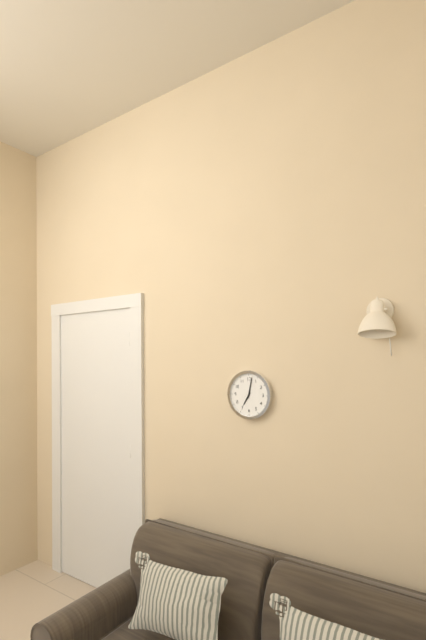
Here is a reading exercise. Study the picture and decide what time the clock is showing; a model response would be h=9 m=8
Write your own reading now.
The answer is h=7 m=2
